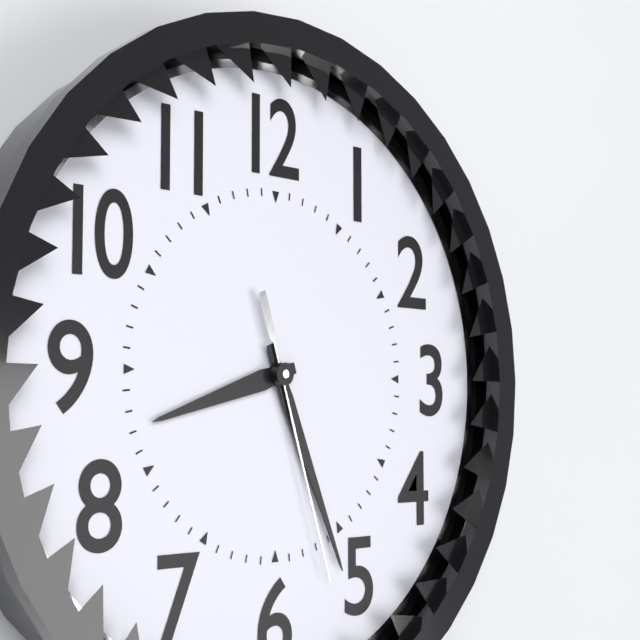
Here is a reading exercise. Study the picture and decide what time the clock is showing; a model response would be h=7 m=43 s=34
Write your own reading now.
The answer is h=8 m=26 s=27
